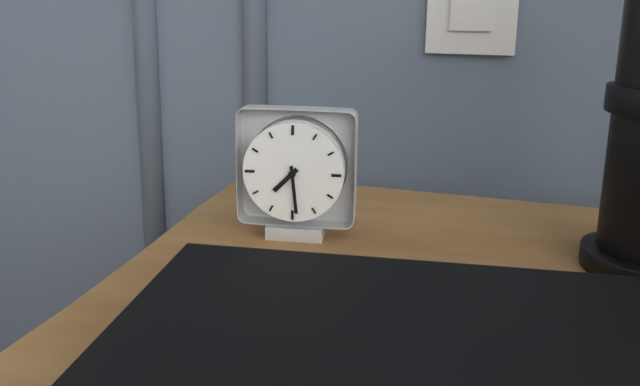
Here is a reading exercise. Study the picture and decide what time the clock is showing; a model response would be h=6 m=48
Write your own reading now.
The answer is h=7 m=29
